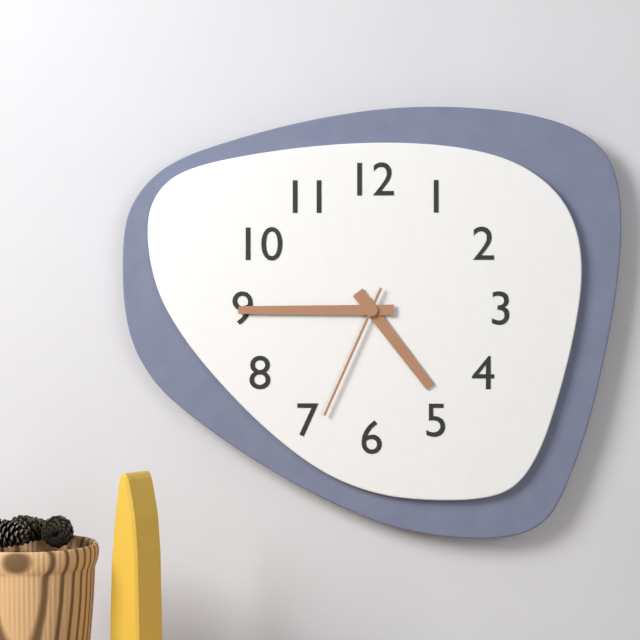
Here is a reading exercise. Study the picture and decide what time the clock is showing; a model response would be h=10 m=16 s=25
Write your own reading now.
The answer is h=4 m=45 s=34
